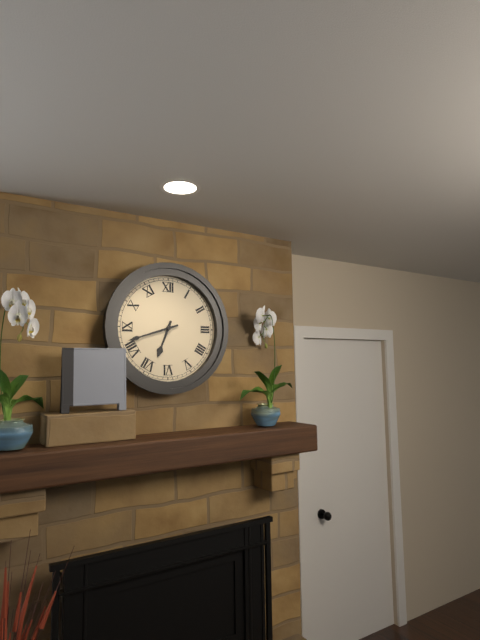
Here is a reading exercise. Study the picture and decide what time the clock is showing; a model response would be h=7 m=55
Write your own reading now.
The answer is h=6 m=42
